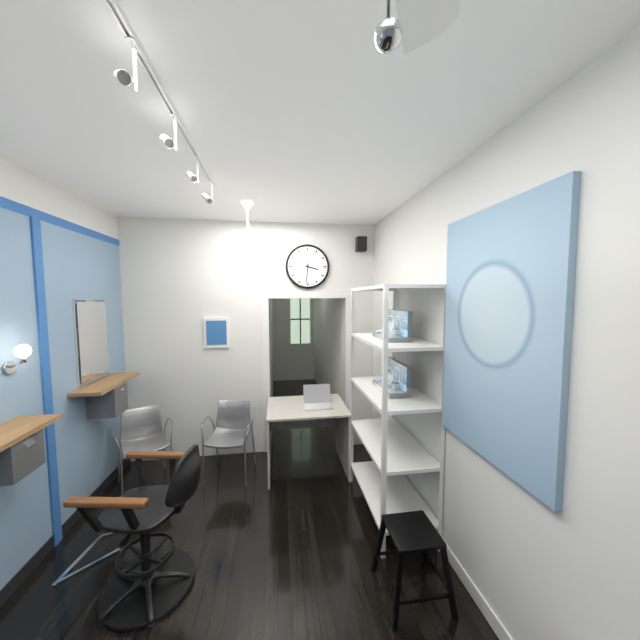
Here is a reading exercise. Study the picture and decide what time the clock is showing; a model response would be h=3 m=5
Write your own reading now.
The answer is h=3 m=31
